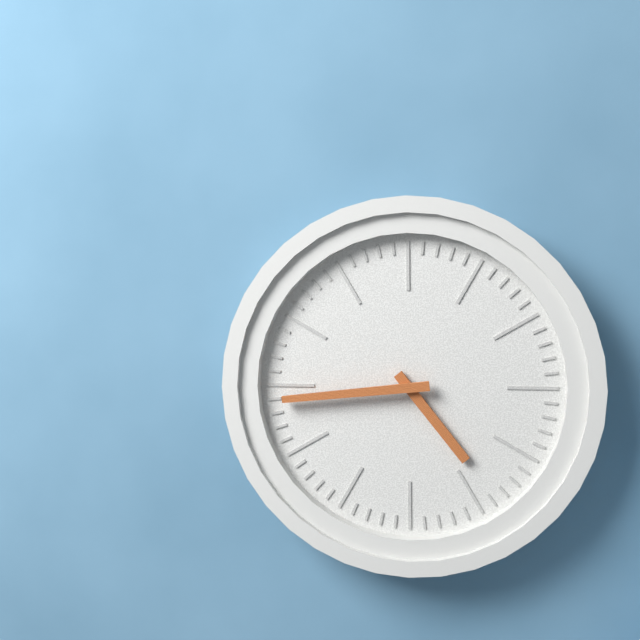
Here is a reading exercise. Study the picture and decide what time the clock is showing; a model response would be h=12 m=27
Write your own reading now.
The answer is h=4 m=44
